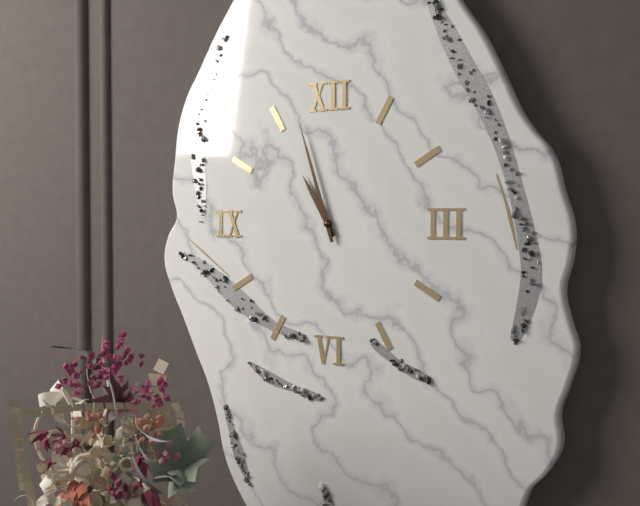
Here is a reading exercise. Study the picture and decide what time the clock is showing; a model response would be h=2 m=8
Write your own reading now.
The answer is h=10 m=57
